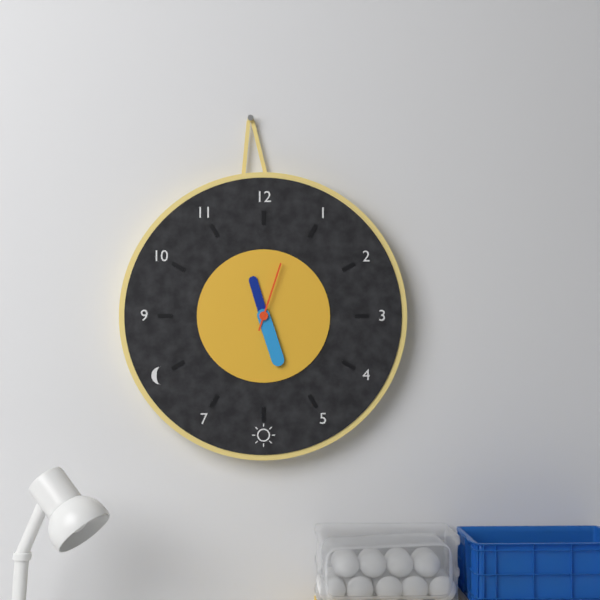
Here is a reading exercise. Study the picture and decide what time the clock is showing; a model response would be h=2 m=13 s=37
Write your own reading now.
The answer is h=11 m=27 s=3
